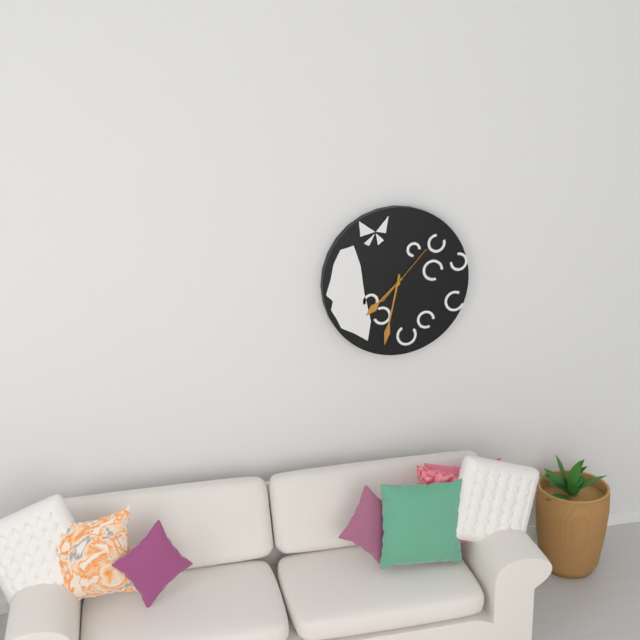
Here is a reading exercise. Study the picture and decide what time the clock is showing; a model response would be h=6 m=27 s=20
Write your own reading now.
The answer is h=7 m=32 s=7
